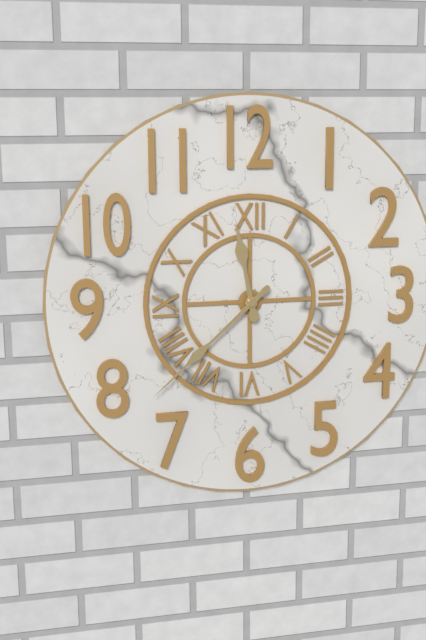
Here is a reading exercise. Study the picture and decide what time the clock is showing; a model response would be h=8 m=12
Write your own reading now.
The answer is h=11 m=38
